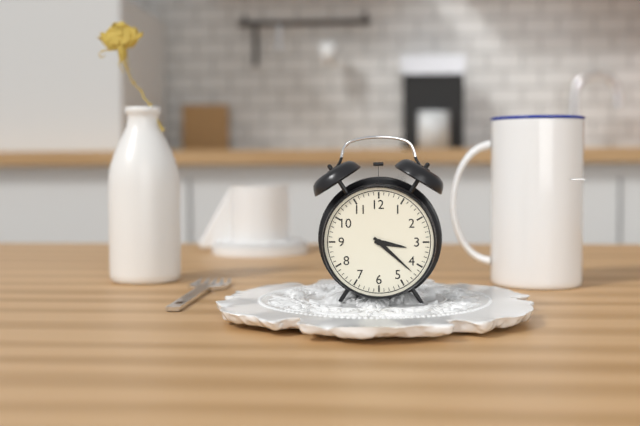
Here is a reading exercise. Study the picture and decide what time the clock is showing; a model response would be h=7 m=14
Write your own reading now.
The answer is h=3 m=22
